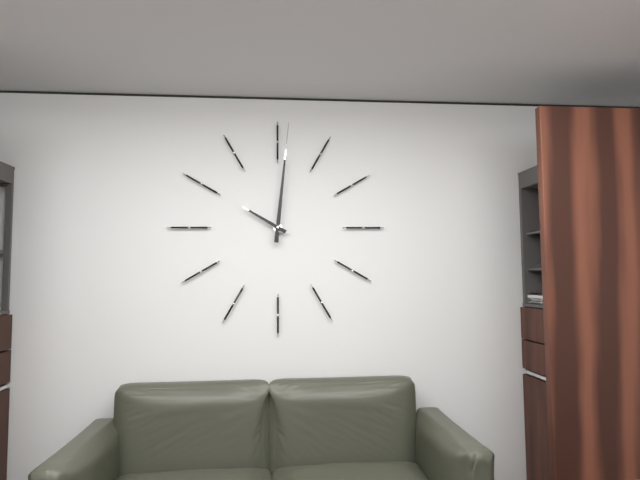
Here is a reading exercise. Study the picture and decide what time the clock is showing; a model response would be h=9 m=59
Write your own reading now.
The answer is h=10 m=1
